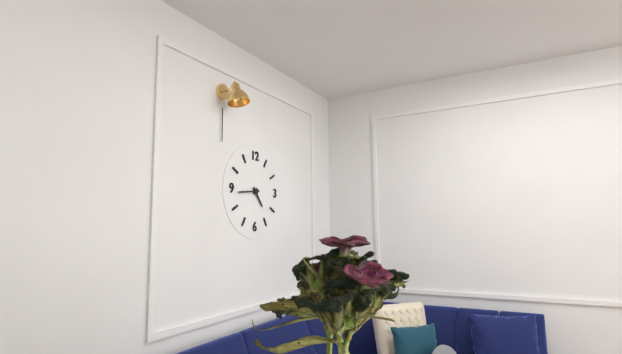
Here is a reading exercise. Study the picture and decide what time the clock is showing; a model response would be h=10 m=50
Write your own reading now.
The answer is h=4 m=44
